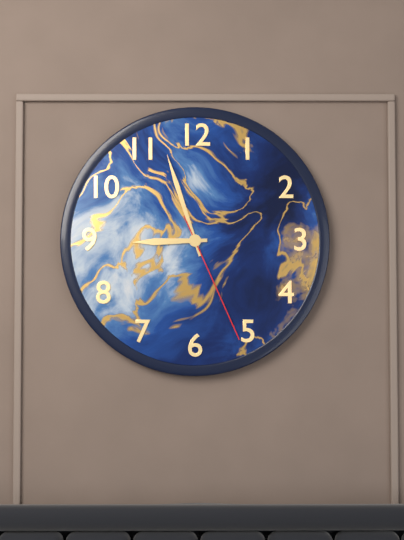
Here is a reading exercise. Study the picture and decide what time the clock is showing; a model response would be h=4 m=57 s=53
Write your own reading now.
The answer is h=8 m=57 s=26
